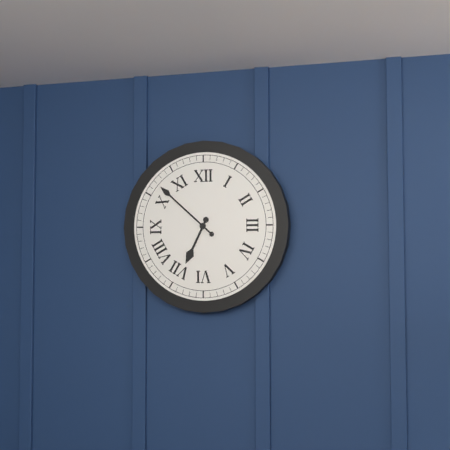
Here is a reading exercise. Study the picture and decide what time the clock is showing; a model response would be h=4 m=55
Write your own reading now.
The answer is h=6 m=52
